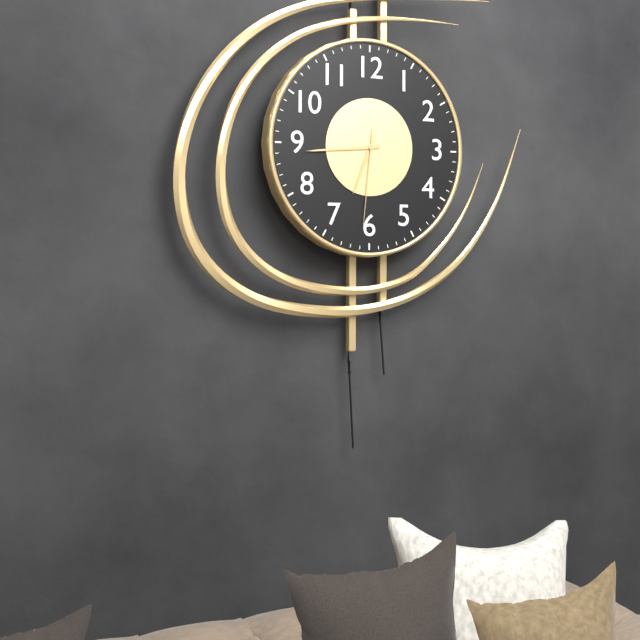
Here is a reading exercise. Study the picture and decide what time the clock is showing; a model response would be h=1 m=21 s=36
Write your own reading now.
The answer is h=6 m=44 s=31
